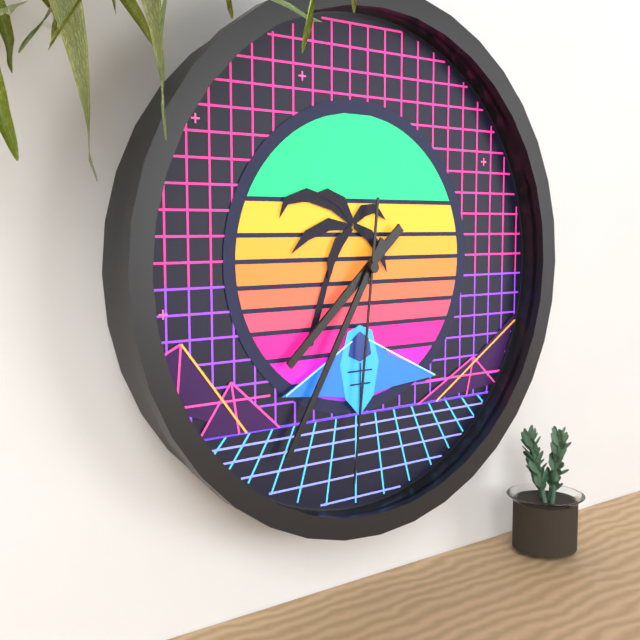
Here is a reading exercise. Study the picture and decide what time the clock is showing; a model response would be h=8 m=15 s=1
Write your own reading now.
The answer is h=7 m=35 s=31
